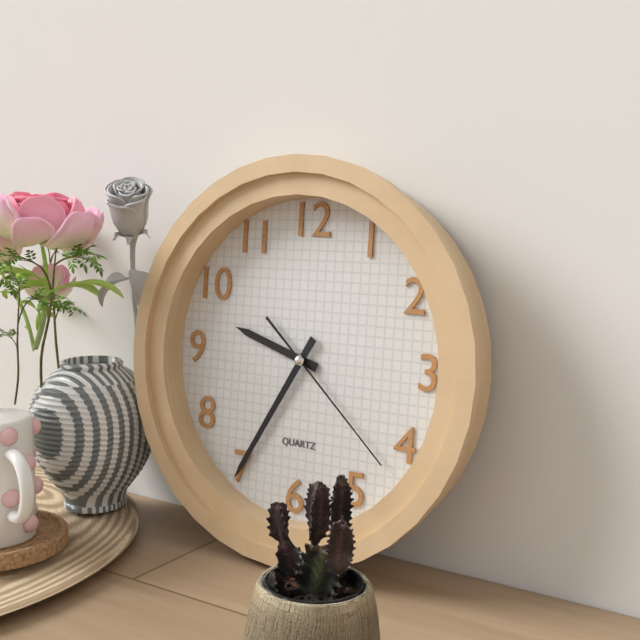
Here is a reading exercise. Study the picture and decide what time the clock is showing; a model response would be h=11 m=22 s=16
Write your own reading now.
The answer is h=9 m=35 s=22
